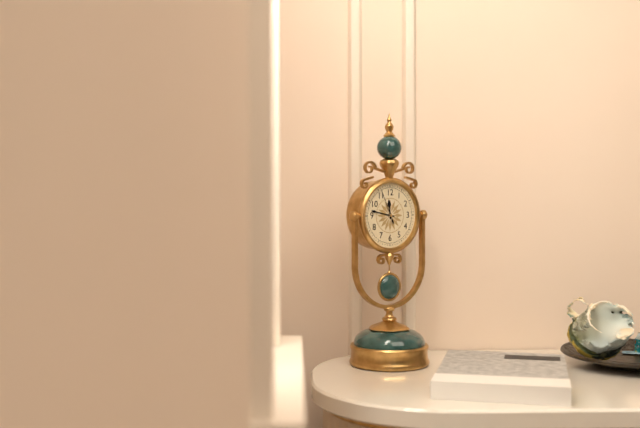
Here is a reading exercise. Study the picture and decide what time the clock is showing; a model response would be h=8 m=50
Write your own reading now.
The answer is h=11 m=47
